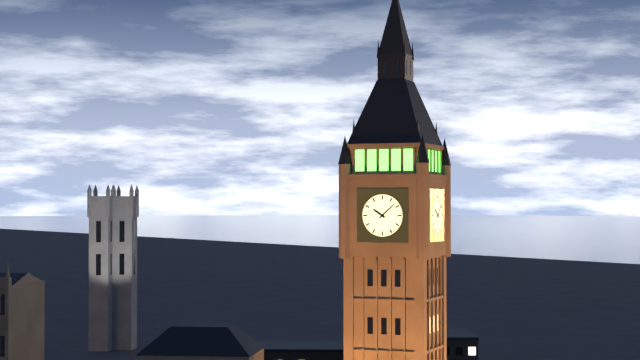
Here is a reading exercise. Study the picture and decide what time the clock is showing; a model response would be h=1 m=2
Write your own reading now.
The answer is h=10 m=8
